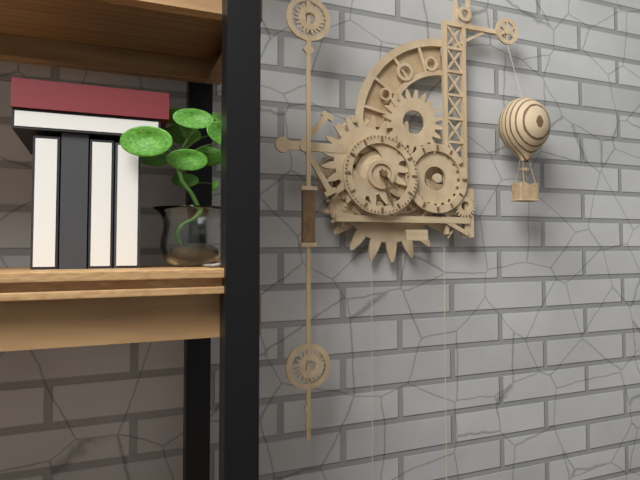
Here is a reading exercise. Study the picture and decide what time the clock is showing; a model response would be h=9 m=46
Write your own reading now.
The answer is h=4 m=27
